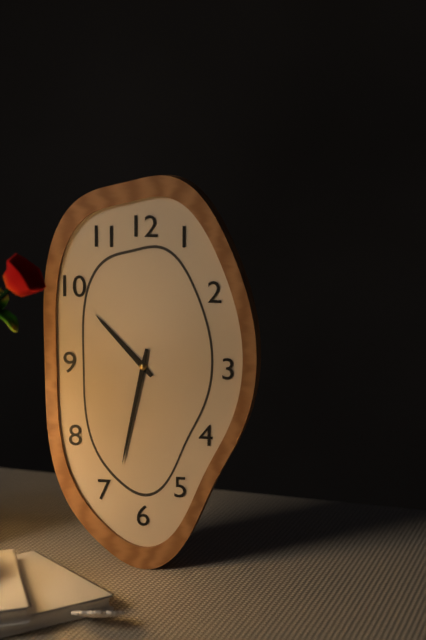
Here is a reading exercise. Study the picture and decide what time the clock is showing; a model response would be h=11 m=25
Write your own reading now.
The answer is h=10 m=32
